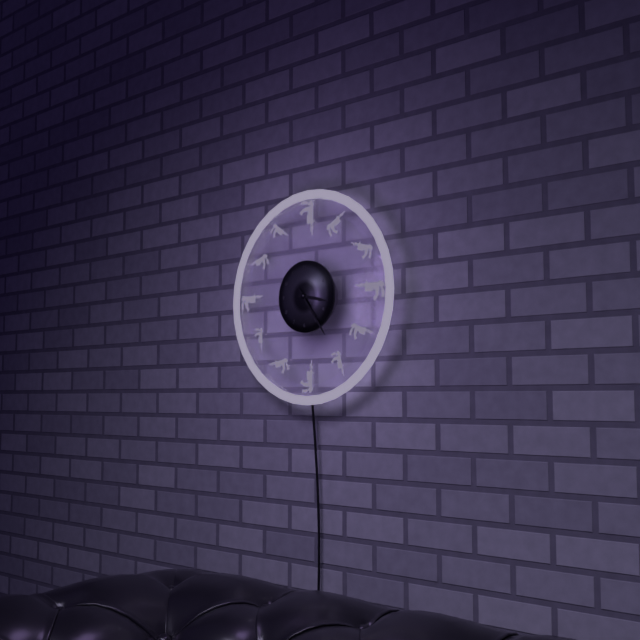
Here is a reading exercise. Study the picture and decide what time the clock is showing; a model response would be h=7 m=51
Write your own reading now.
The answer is h=3 m=24
